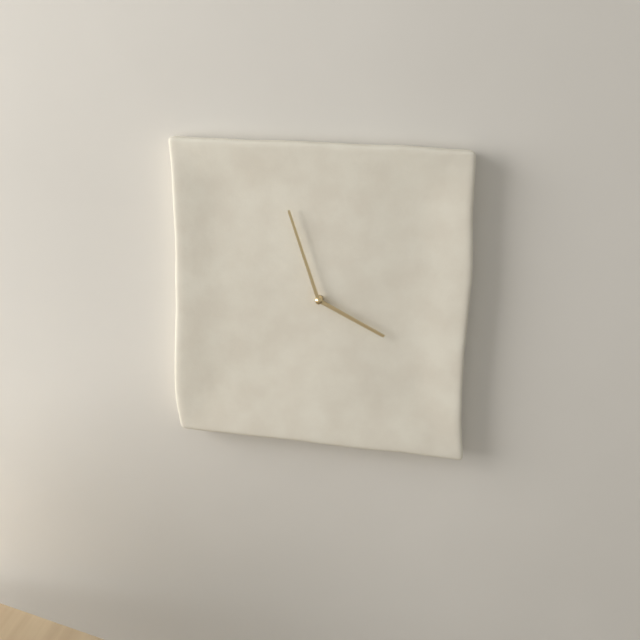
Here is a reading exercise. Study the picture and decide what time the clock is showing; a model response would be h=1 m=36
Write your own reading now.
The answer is h=3 m=57
